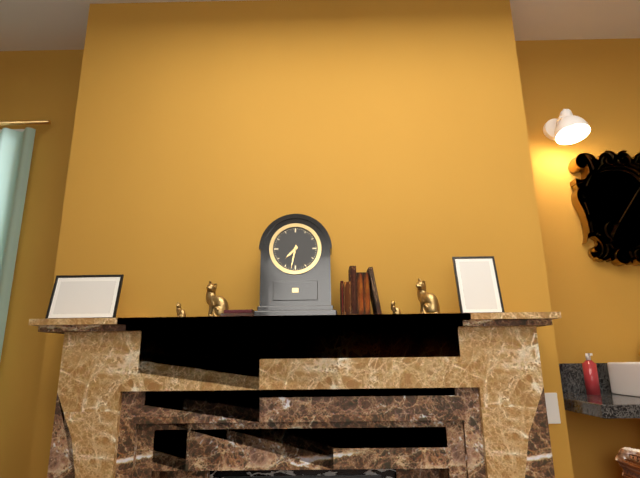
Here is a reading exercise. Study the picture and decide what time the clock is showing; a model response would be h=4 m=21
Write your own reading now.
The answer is h=7 m=32
